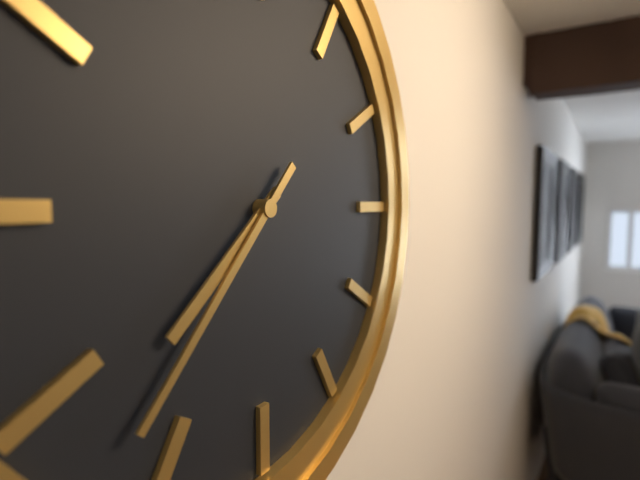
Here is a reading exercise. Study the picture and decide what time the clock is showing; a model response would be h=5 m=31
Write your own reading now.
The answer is h=7 m=37
